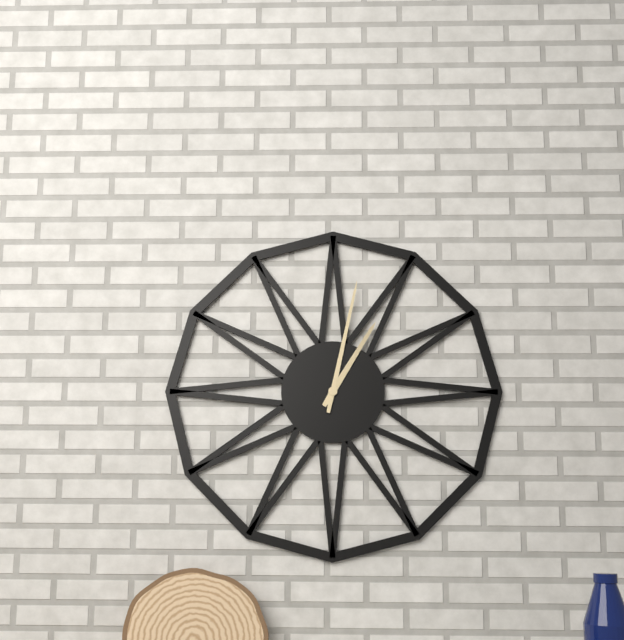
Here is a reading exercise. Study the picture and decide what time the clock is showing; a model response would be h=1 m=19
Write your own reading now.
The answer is h=1 m=2
